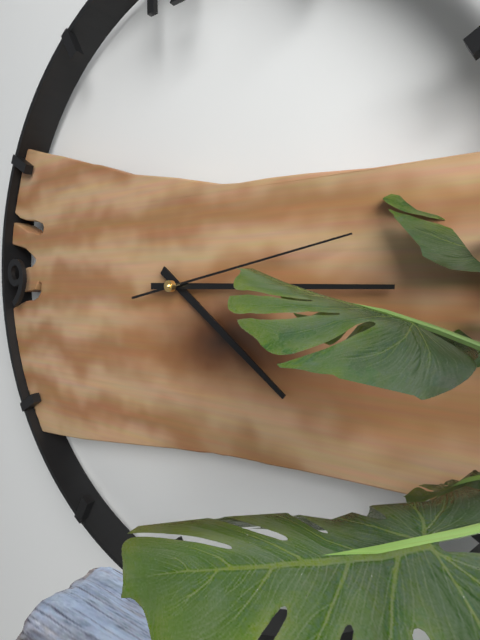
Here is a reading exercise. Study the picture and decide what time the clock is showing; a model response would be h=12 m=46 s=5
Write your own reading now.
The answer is h=4 m=15 s=13
